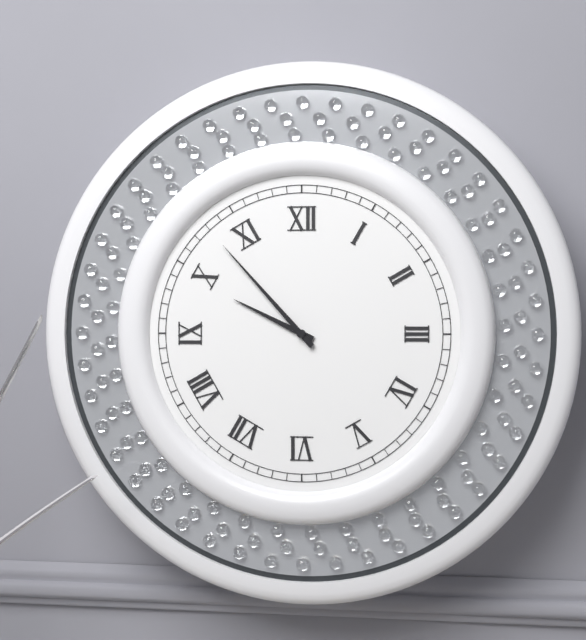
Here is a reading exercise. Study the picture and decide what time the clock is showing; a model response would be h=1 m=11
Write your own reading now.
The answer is h=9 m=53
